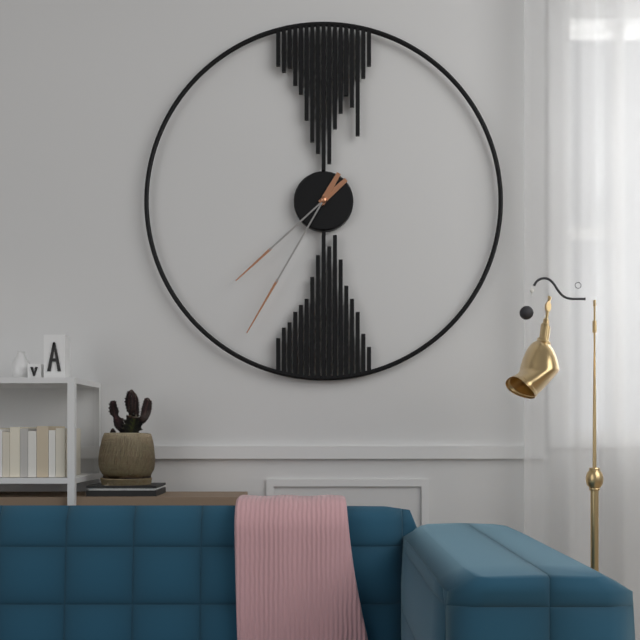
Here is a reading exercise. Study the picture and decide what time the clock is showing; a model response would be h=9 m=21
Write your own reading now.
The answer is h=7 m=35
